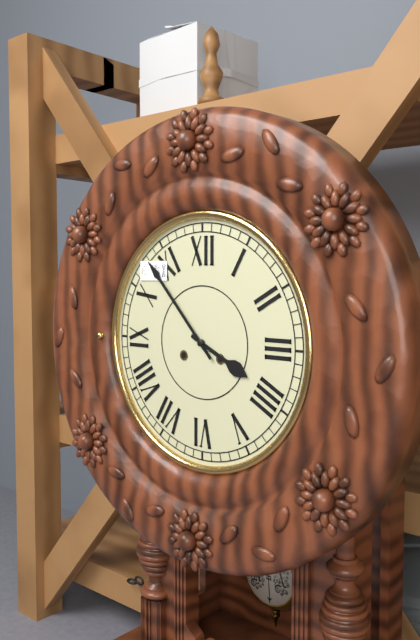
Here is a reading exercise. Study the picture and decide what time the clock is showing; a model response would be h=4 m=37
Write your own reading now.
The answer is h=3 m=53
